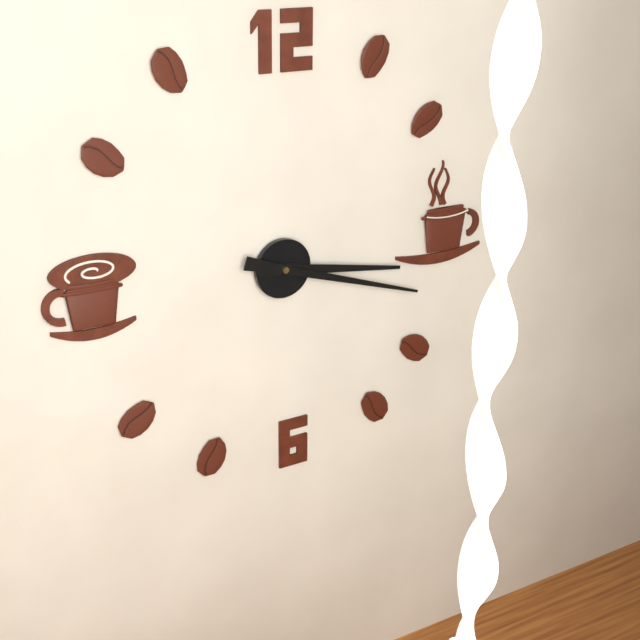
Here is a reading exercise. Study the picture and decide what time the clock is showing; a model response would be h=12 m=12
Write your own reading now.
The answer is h=3 m=18
